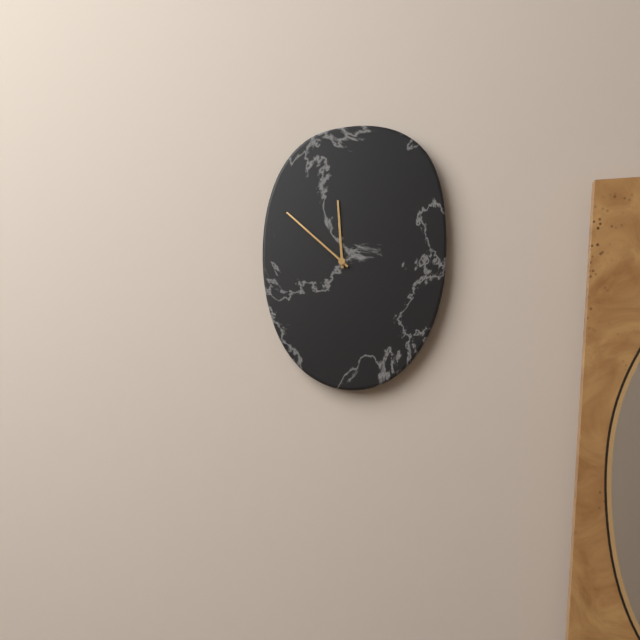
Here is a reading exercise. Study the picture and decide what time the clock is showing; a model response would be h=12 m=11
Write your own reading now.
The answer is h=11 m=52
